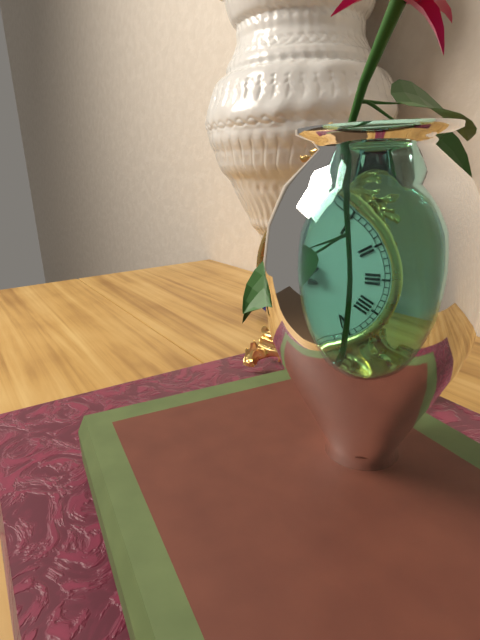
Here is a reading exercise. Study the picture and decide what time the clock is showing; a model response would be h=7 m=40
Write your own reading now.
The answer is h=6 m=56
